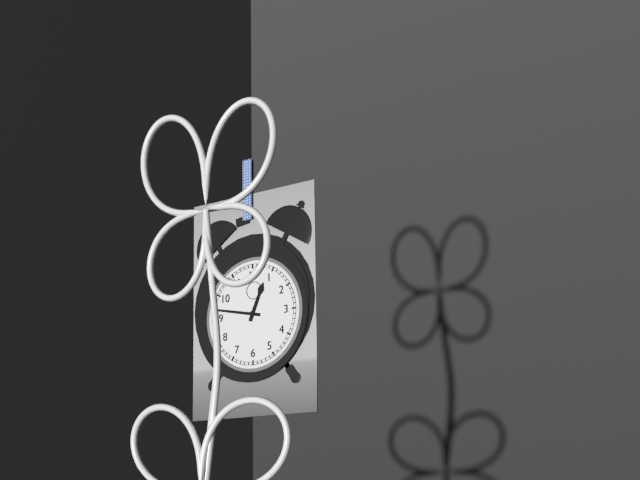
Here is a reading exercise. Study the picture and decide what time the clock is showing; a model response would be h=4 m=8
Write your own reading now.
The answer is h=12 m=47
